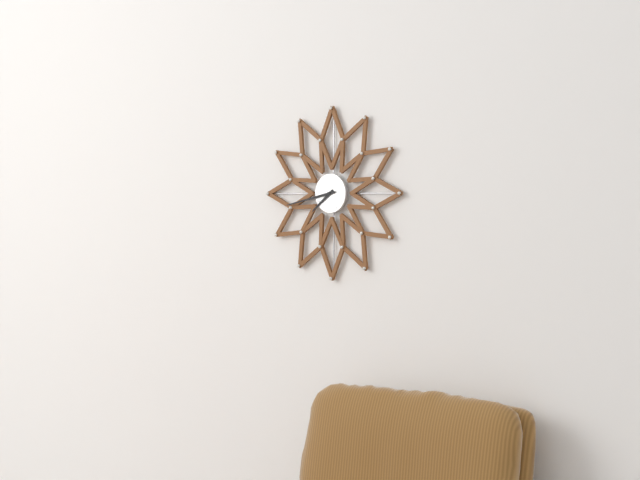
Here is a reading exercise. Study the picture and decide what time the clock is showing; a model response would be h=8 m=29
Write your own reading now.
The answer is h=7 m=43
